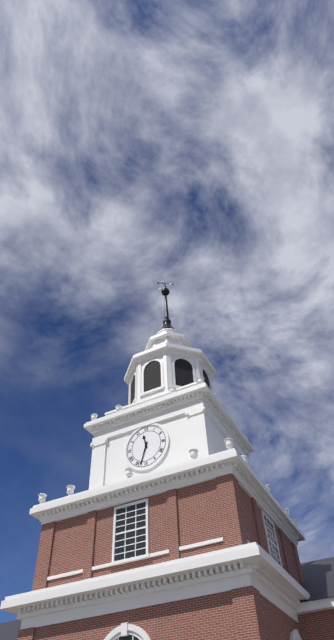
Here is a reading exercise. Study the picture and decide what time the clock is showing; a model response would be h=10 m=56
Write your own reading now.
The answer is h=11 m=33
